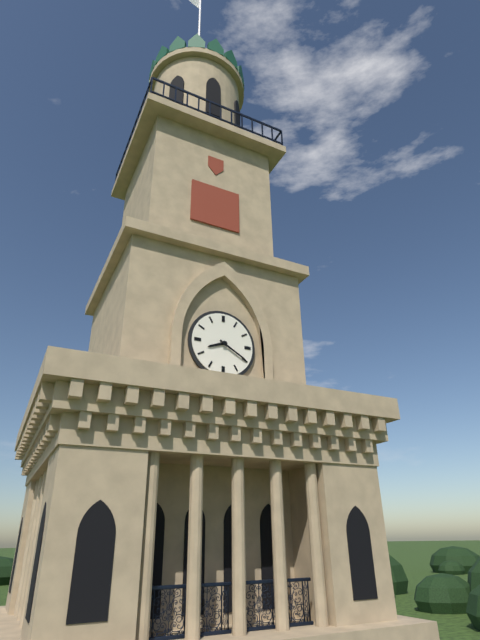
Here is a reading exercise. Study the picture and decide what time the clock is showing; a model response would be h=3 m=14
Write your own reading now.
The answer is h=8 m=20
